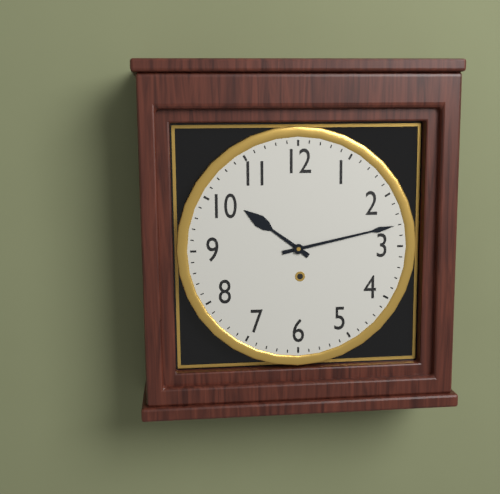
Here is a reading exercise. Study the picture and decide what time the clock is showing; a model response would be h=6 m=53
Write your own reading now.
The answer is h=10 m=13
